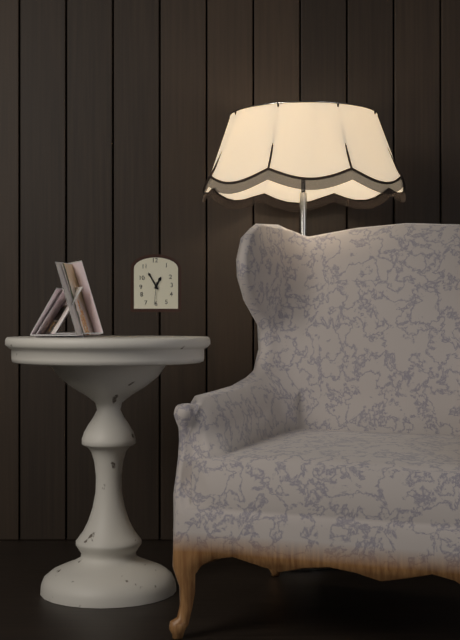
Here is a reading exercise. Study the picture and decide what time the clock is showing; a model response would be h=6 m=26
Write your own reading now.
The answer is h=12 m=55
